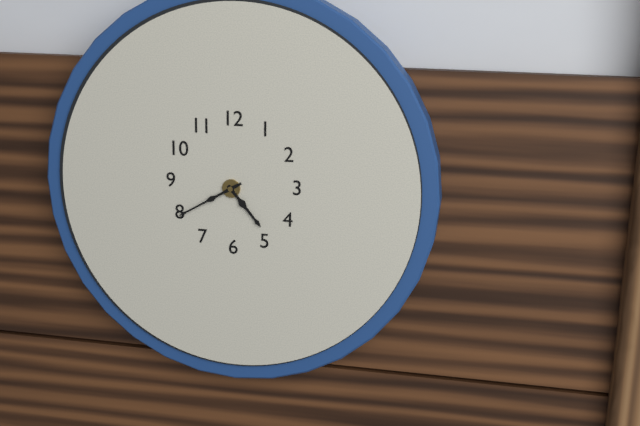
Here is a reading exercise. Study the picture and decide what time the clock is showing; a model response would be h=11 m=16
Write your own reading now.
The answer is h=4 m=40
